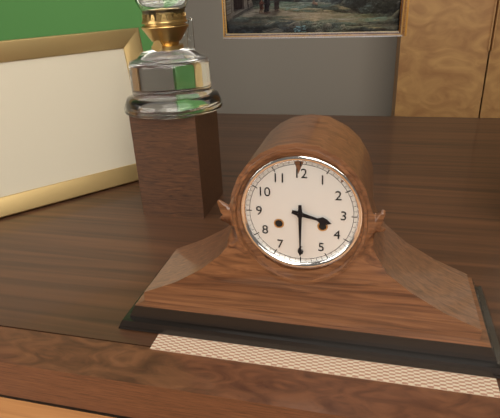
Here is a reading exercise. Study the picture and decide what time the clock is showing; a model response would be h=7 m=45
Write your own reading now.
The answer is h=3 m=30
